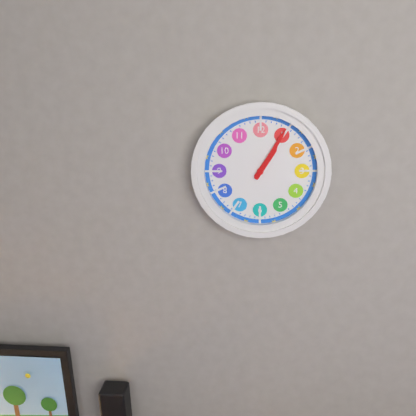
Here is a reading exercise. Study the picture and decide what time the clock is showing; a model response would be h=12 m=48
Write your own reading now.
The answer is h=1 m=5
